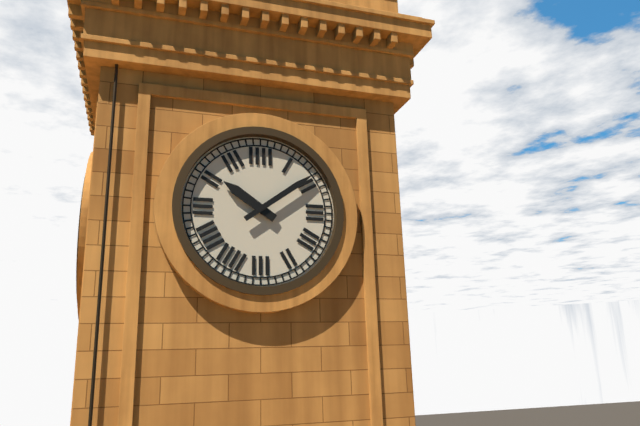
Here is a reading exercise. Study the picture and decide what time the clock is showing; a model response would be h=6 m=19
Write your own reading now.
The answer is h=10 m=9
